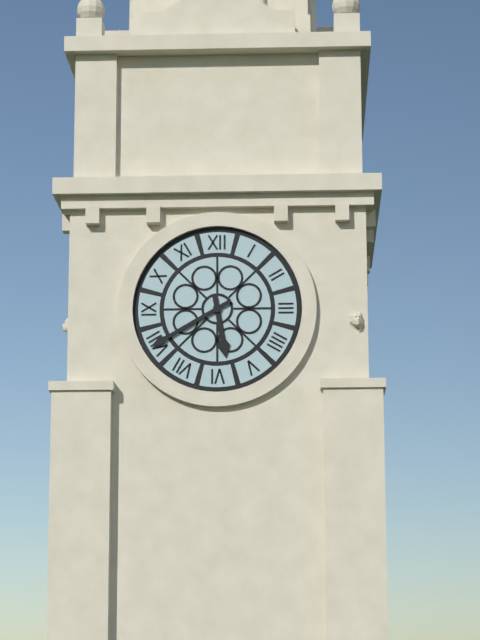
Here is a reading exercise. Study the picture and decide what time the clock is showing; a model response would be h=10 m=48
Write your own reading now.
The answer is h=5 m=40
